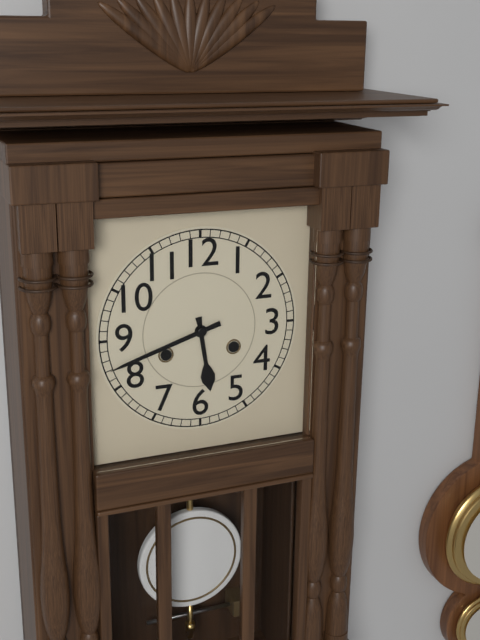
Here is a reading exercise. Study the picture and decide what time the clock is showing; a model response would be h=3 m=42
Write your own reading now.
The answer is h=5 m=42
